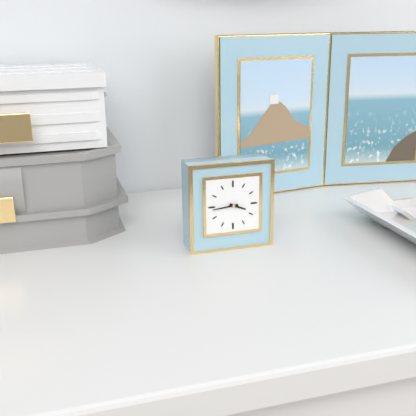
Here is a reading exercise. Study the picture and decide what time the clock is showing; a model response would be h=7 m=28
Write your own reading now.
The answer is h=3 m=44
